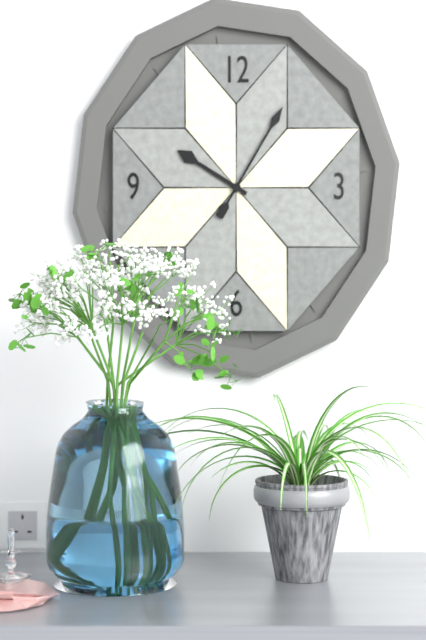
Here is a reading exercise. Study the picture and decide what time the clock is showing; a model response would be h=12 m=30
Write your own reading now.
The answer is h=10 m=5
